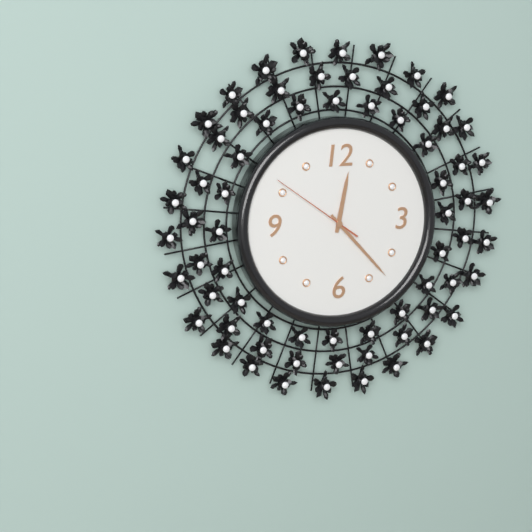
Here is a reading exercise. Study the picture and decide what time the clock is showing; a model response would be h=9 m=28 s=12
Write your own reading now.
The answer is h=12 m=23 s=51
